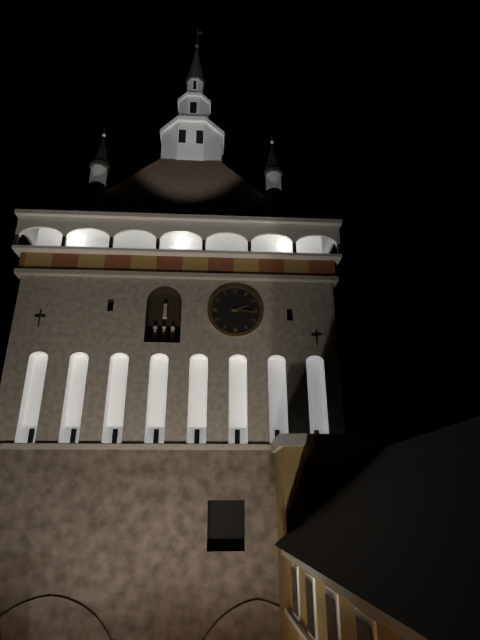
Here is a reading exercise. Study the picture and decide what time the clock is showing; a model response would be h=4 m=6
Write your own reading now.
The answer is h=2 m=16
